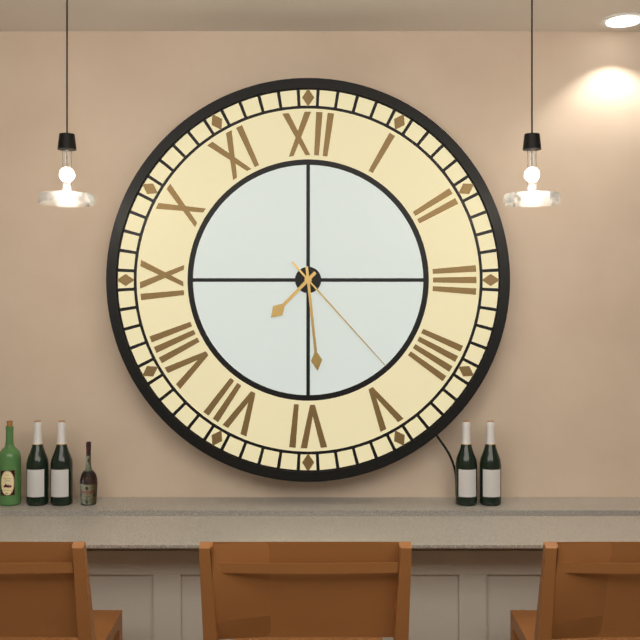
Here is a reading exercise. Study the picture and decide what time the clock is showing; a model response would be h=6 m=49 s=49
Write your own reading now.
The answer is h=7 m=29 s=23
